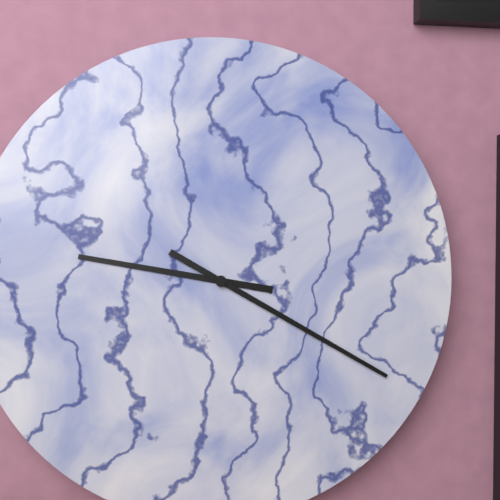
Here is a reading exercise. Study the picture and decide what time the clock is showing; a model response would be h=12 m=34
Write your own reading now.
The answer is h=9 m=20
